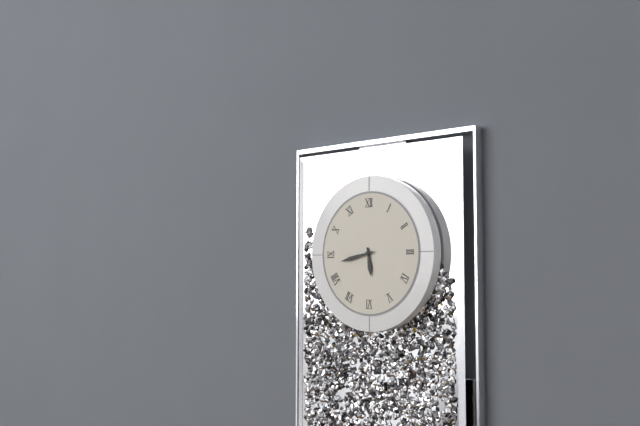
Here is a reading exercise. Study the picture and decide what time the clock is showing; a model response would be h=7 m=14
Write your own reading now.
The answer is h=5 m=43
